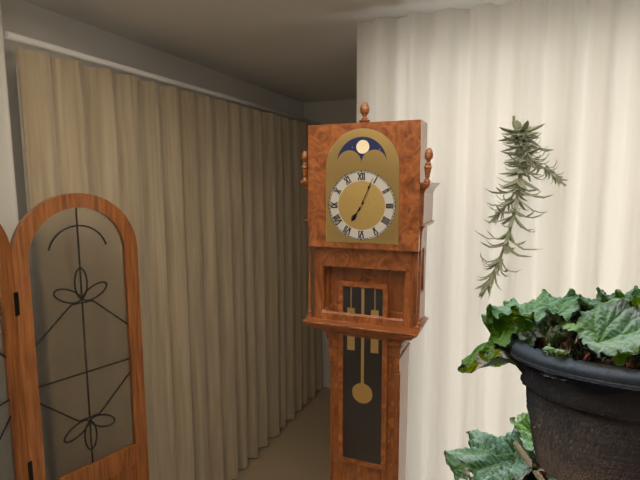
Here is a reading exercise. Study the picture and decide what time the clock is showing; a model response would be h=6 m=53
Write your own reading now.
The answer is h=7 m=4
